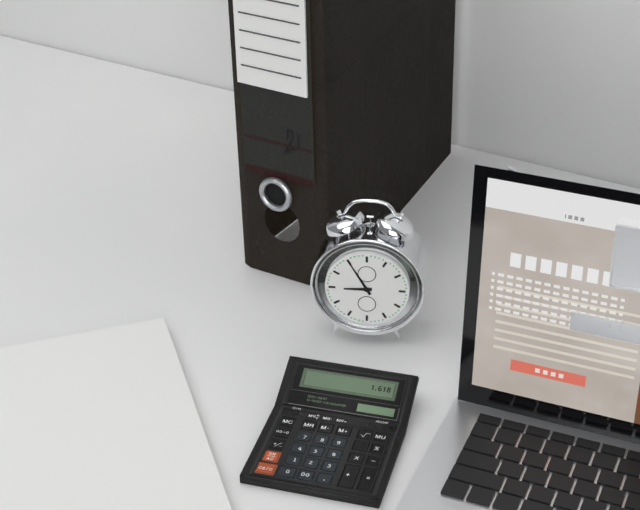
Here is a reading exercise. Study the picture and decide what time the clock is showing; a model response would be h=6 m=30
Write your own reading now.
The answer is h=8 m=55
